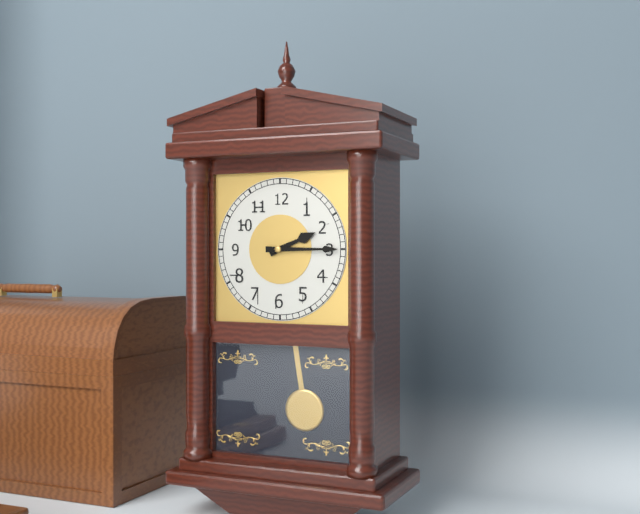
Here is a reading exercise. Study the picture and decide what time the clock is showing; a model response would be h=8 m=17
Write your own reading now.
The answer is h=2 m=15
